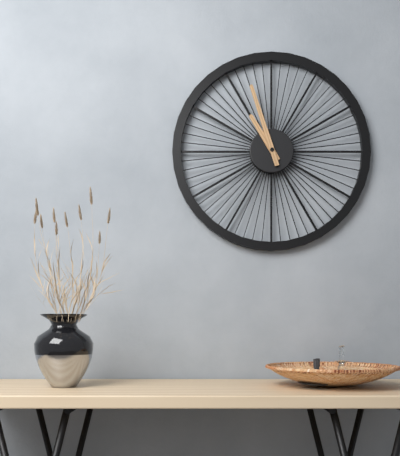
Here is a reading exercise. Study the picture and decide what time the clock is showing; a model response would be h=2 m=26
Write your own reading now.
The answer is h=10 m=57
